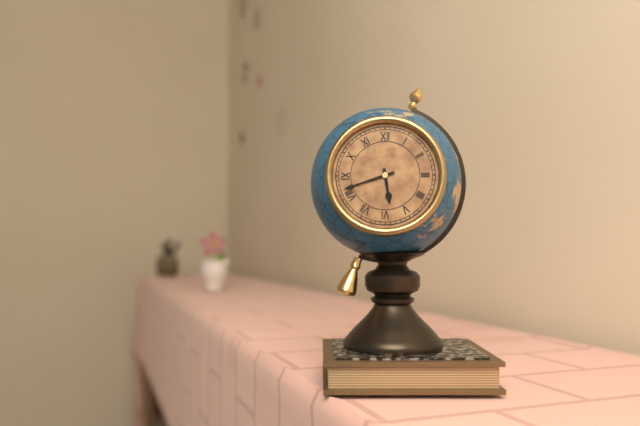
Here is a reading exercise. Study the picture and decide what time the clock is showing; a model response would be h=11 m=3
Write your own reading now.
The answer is h=5 m=42
